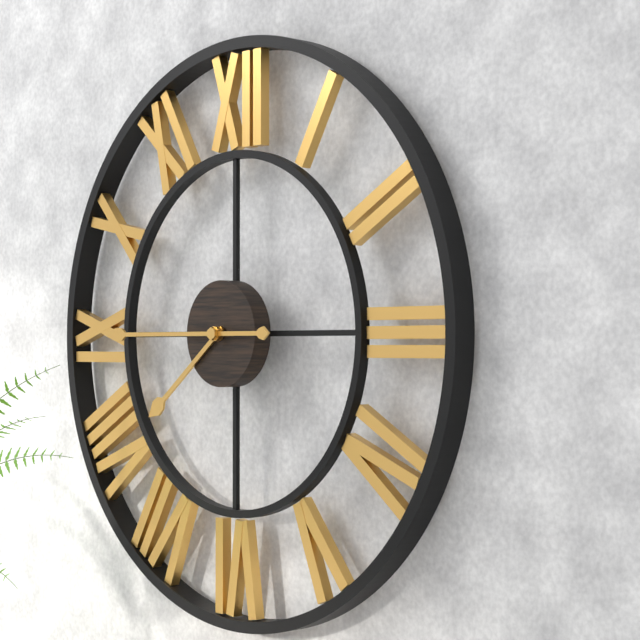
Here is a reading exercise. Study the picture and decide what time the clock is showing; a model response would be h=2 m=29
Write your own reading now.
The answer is h=7 m=45
